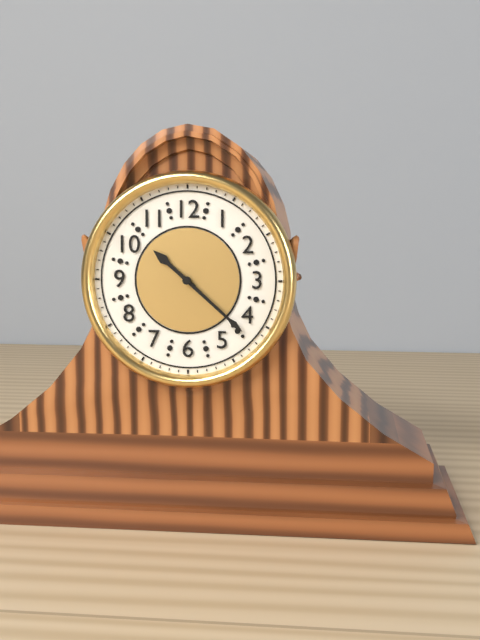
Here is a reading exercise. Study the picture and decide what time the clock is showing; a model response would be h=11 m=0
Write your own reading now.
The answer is h=10 m=22
